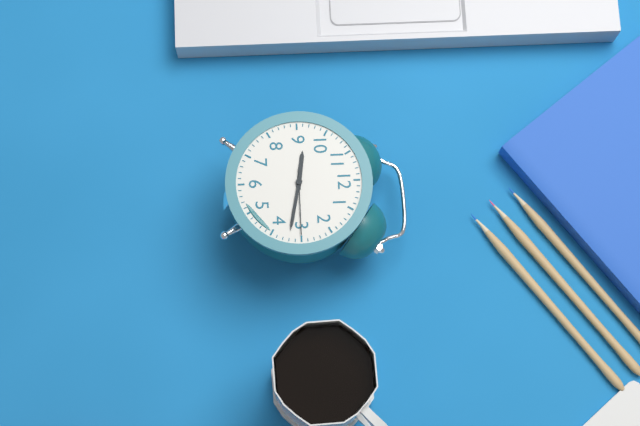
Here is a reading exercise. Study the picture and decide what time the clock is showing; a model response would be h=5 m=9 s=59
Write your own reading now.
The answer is h=9 m=17 s=15
